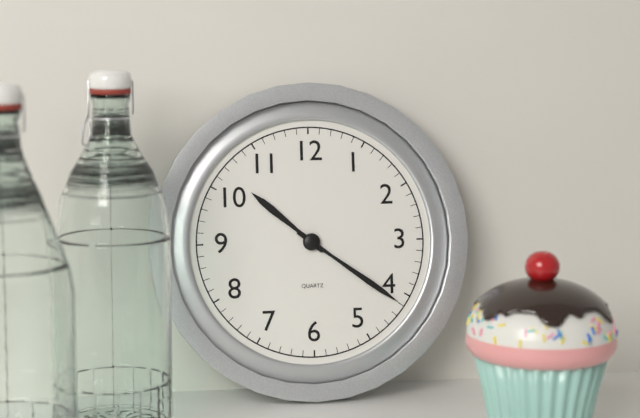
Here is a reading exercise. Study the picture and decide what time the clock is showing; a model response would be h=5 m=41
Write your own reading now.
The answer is h=10 m=21
